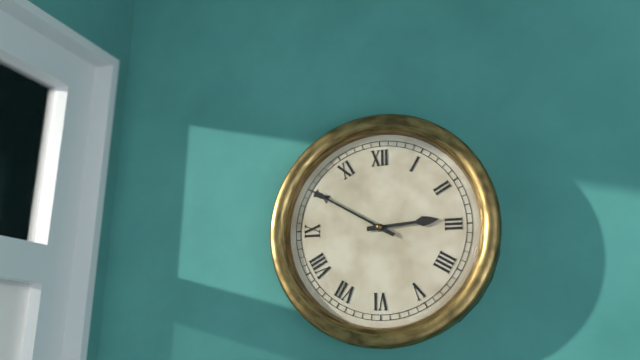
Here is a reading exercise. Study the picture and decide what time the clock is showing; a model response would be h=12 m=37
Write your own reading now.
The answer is h=2 m=50
